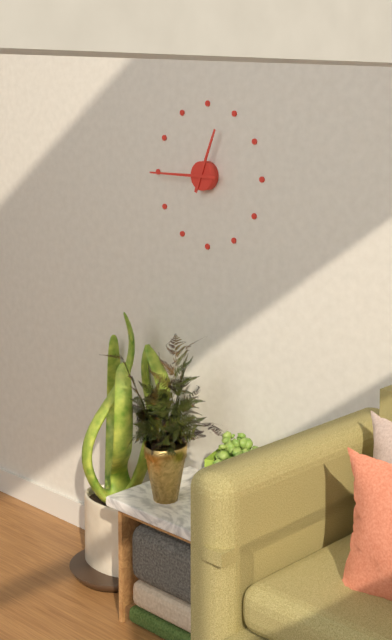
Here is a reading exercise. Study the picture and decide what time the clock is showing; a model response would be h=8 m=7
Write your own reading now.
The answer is h=12 m=45
